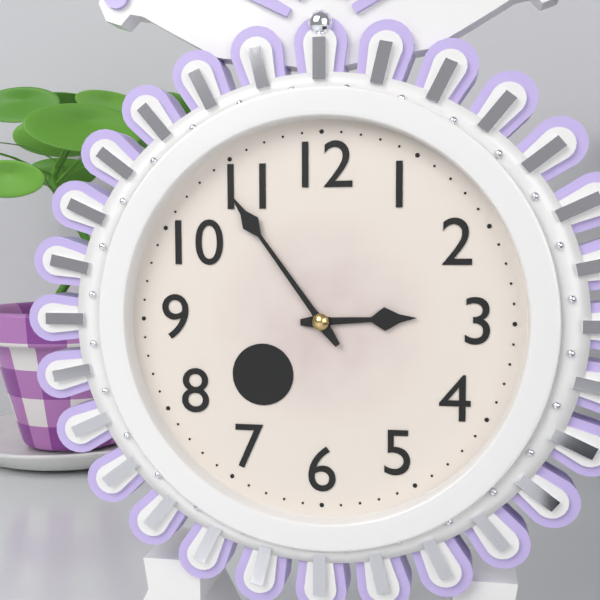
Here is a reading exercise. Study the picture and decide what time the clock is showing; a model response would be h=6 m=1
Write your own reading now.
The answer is h=2 m=54
